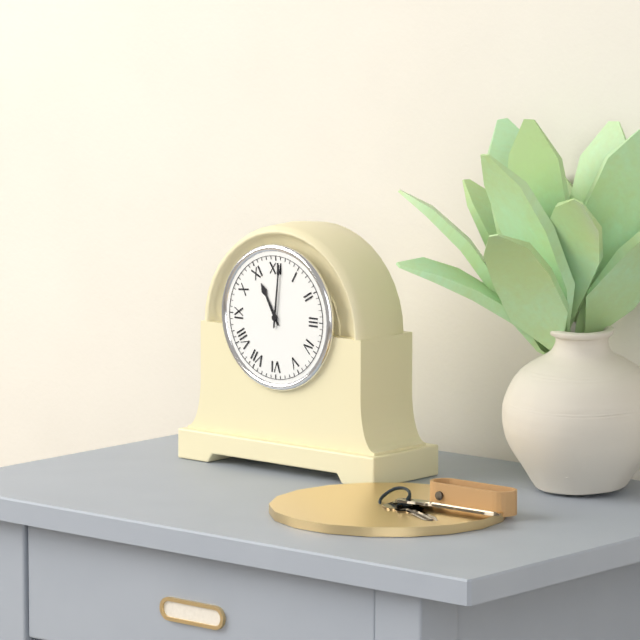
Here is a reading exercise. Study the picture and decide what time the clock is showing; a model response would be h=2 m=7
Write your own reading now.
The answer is h=11 m=1
